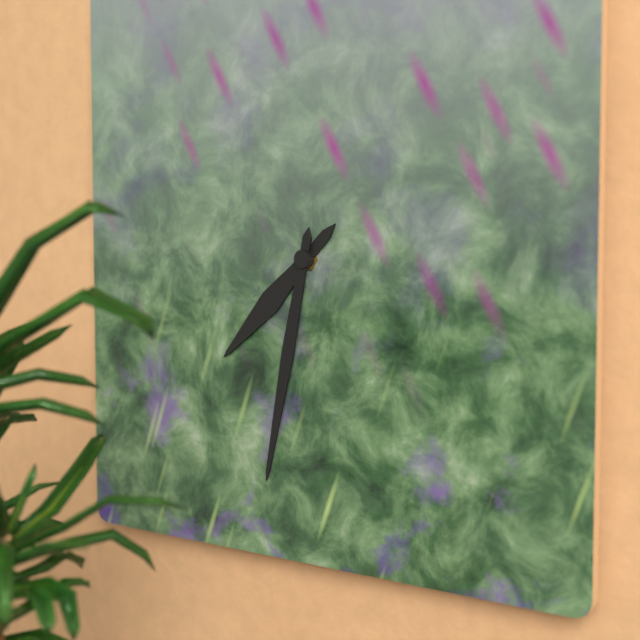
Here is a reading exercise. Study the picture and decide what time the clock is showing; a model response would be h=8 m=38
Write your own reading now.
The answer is h=7 m=32
